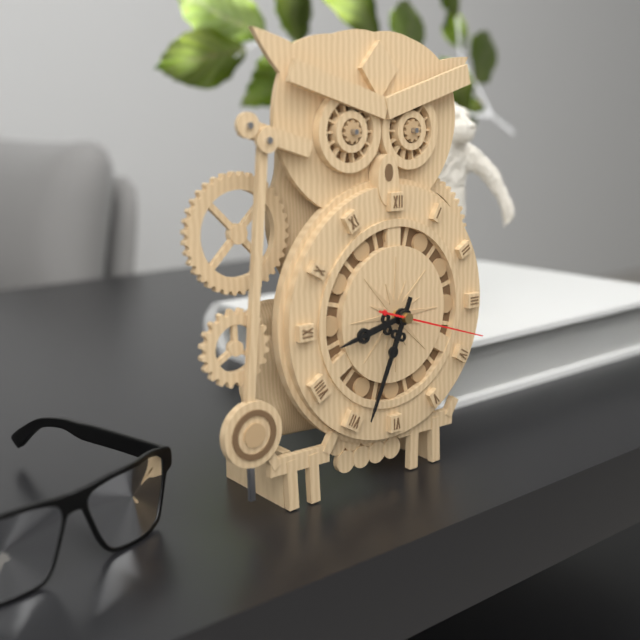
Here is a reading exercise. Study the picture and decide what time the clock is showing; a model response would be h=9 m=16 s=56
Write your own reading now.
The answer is h=8 m=34 s=18
